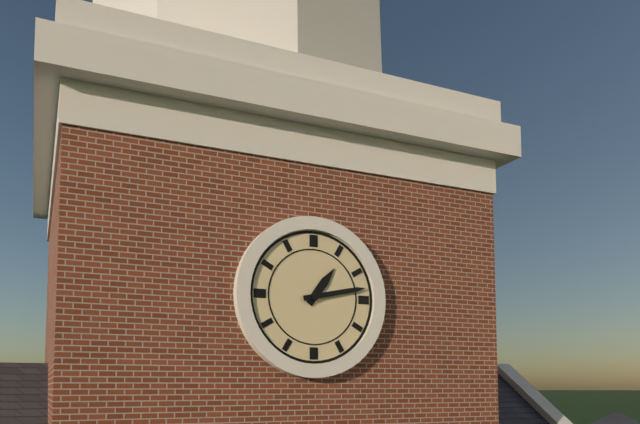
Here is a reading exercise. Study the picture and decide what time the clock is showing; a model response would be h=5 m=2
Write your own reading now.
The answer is h=1 m=13
